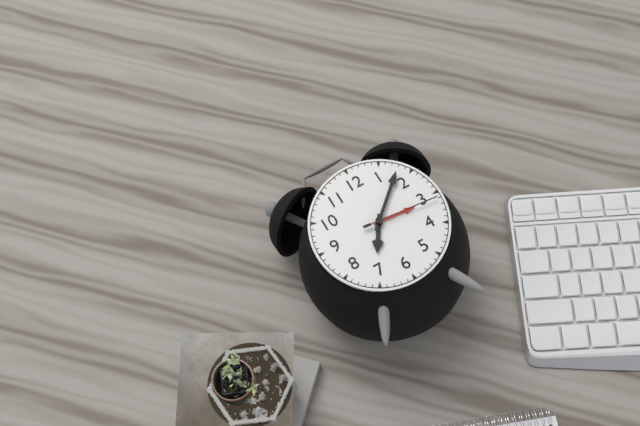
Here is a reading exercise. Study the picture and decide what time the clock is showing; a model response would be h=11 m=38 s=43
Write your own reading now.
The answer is h=7 m=8 s=16
